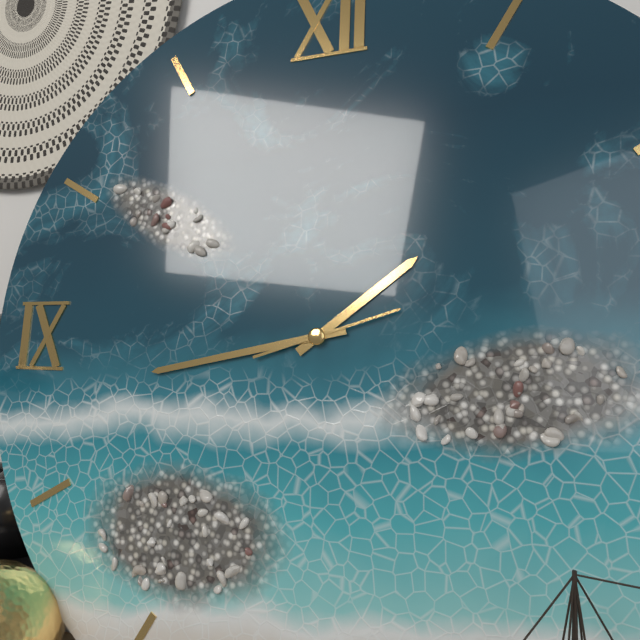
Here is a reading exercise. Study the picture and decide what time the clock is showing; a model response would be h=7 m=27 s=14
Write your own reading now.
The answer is h=1 m=43 s=12
